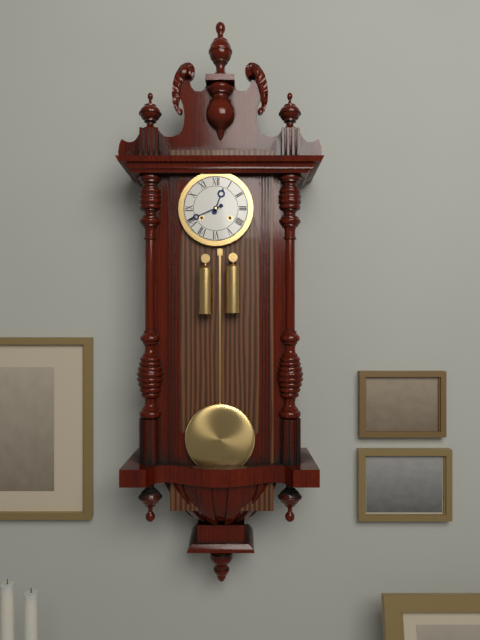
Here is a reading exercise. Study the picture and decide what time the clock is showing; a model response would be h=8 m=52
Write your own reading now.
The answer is h=12 m=41
